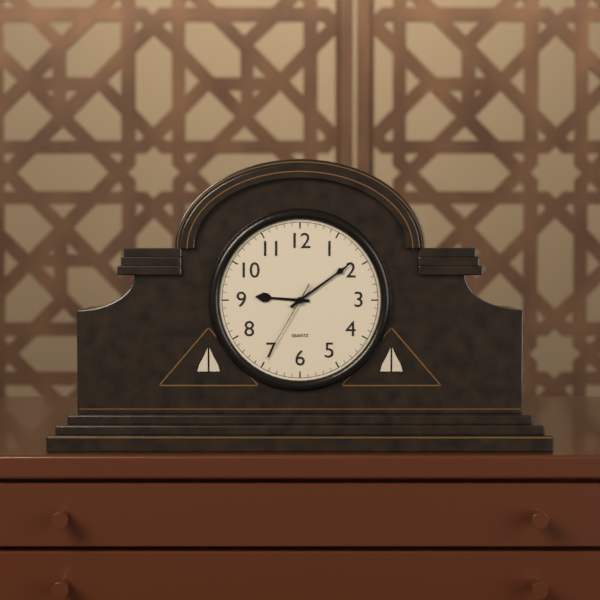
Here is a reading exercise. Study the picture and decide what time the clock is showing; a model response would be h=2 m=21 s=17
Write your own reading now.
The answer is h=9 m=9 s=35
